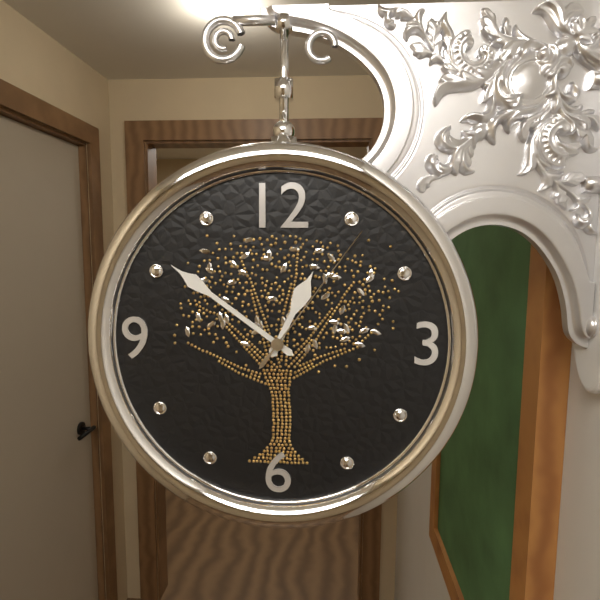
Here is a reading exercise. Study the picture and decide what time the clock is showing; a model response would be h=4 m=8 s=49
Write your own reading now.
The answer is h=12 m=51 s=6
